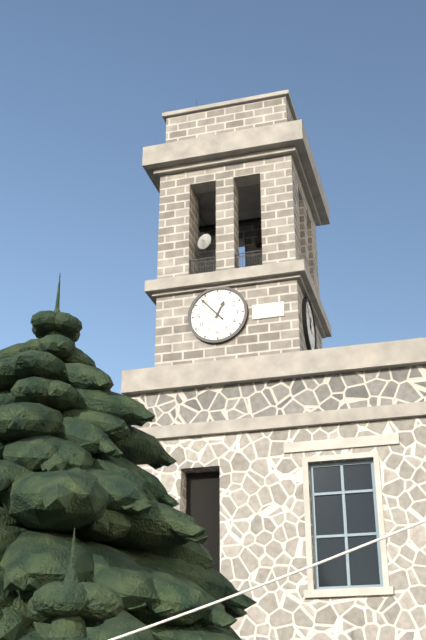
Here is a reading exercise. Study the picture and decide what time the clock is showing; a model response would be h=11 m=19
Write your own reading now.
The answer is h=12 m=53
